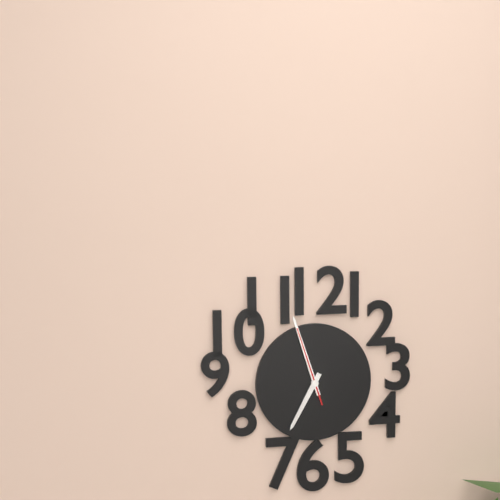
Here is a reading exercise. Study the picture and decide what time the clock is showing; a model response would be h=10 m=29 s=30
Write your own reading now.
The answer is h=6 m=57 s=57
